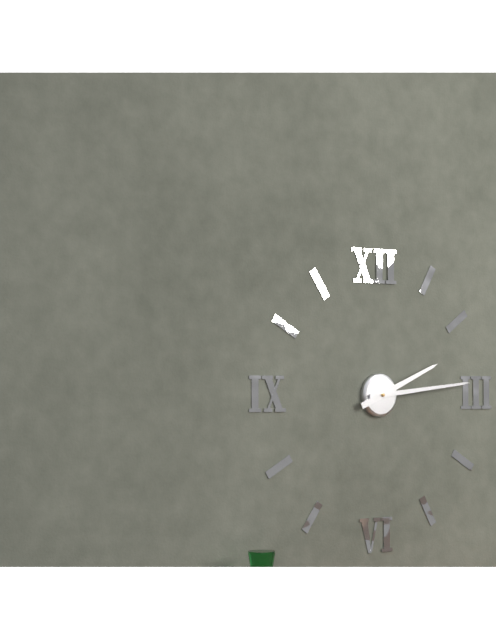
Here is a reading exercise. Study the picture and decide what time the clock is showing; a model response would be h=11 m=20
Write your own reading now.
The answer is h=2 m=14
